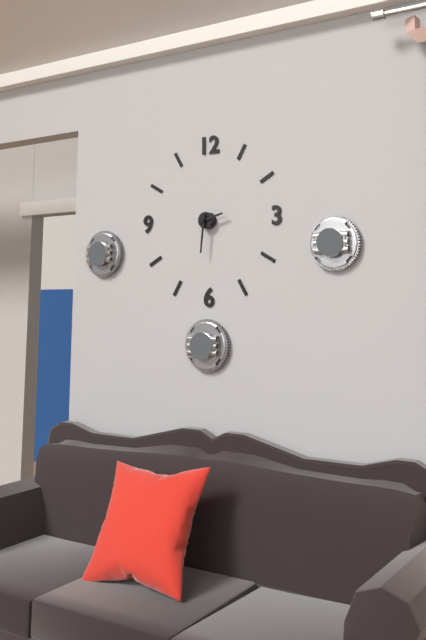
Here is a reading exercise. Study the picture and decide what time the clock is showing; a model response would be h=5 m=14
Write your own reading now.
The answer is h=2 m=31
